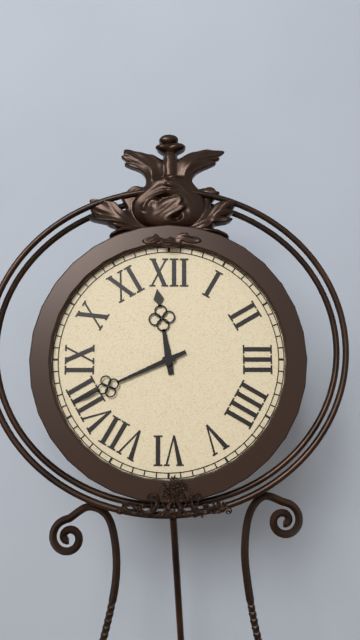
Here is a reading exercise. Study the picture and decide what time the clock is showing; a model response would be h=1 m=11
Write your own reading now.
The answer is h=11 m=41
